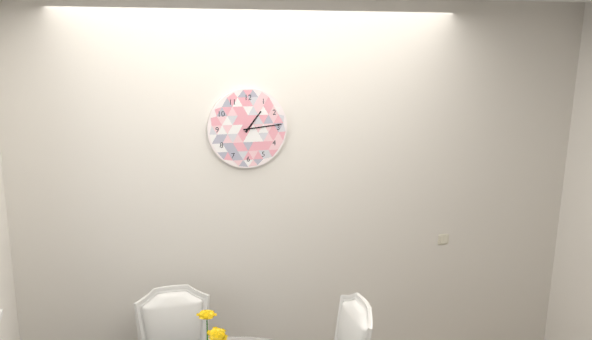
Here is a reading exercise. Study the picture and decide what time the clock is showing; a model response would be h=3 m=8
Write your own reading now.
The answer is h=1 m=14
